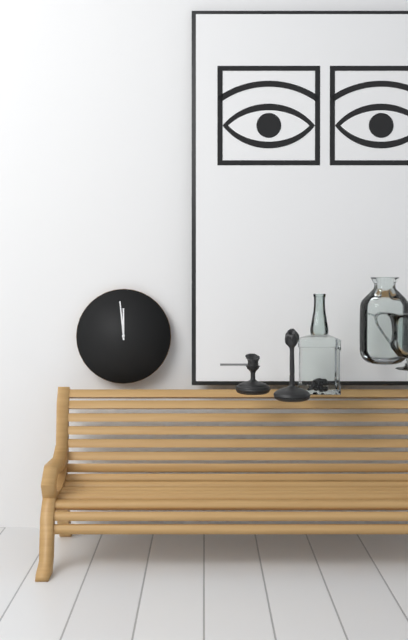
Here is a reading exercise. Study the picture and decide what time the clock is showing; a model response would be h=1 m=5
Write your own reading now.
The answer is h=11 m=59
